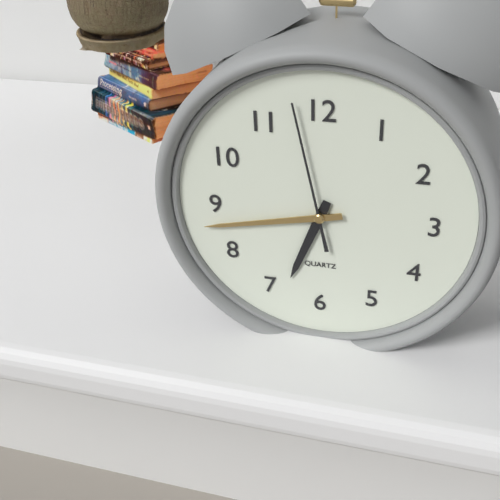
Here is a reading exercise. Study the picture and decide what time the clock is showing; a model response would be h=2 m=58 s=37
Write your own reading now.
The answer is h=6 m=43 s=58
